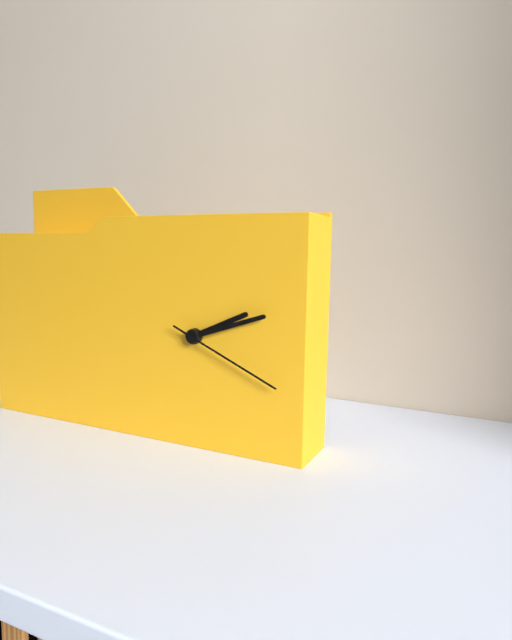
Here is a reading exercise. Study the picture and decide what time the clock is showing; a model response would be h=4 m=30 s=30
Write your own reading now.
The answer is h=2 m=12 s=19
